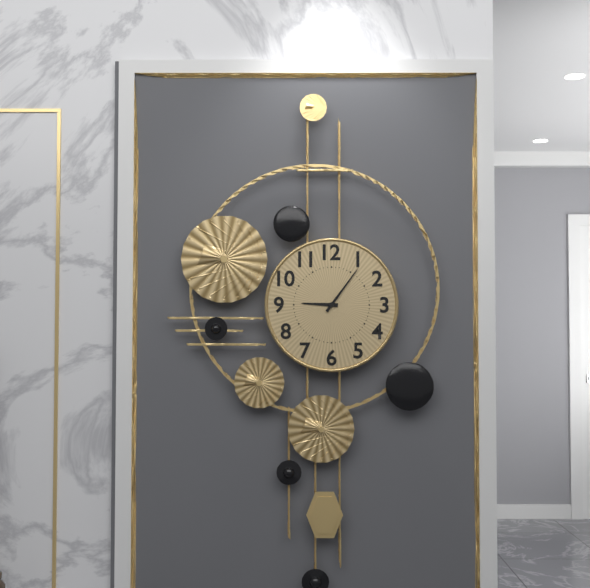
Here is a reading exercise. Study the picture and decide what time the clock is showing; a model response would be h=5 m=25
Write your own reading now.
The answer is h=9 m=6
